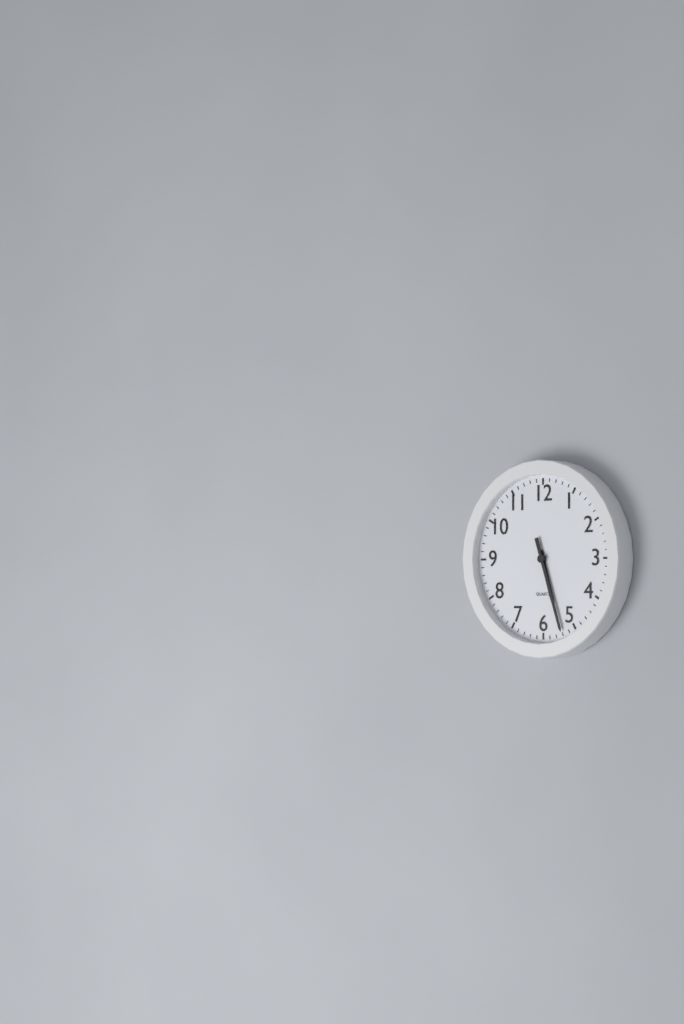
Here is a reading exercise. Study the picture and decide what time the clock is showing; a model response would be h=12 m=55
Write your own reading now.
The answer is h=5 m=27
